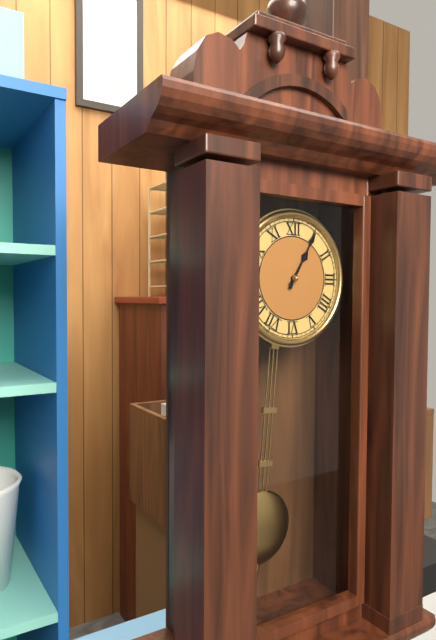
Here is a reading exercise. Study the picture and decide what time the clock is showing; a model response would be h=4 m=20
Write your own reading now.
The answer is h=1 m=5
